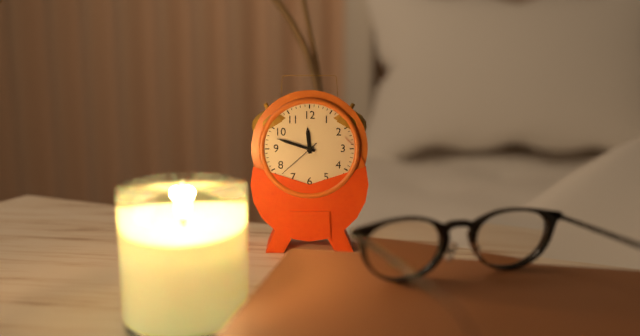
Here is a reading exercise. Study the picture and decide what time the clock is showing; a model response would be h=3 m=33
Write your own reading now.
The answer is h=11 m=48
